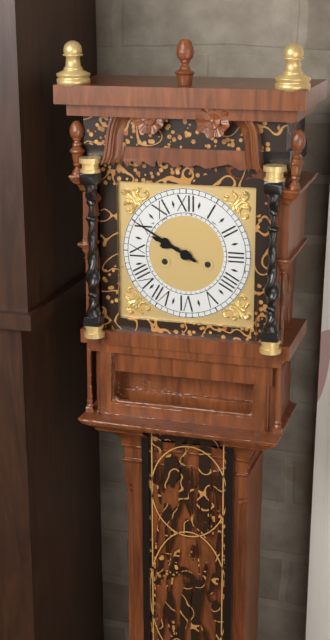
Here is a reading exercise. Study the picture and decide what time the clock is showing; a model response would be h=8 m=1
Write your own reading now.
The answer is h=9 m=50
